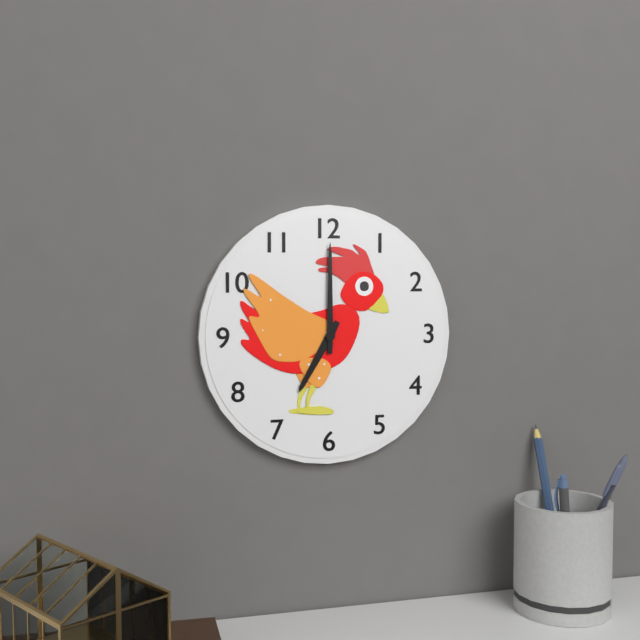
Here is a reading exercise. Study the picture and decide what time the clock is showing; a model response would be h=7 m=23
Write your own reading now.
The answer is h=7 m=0
